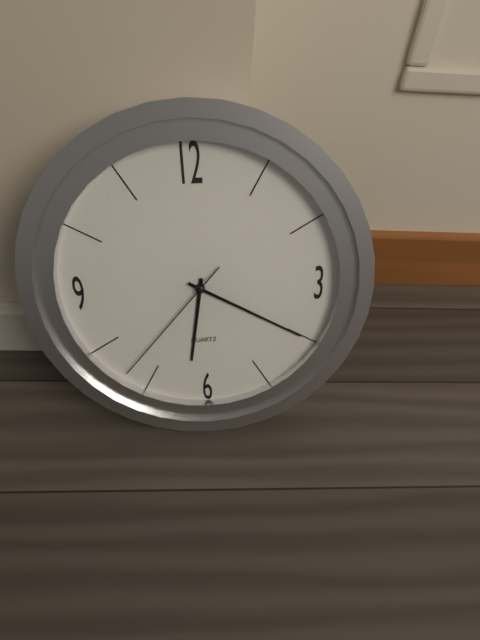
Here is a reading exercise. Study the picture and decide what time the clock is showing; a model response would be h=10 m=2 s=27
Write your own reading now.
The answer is h=6 m=20 s=37
